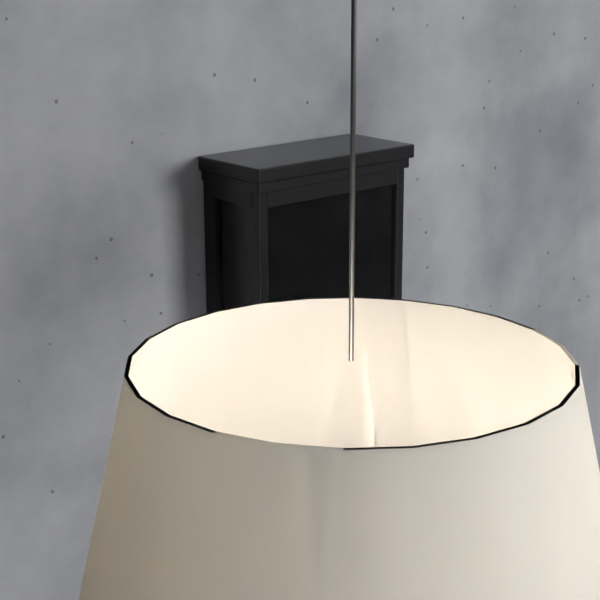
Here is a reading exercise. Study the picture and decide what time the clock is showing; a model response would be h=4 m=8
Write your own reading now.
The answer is h=2 m=58
